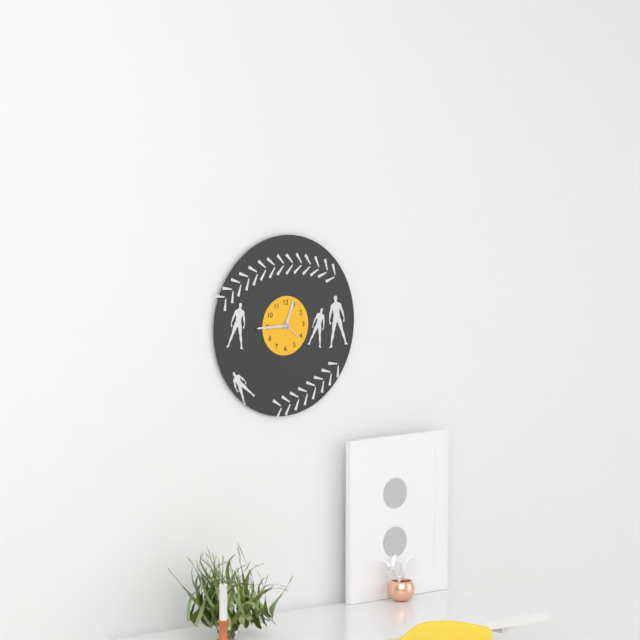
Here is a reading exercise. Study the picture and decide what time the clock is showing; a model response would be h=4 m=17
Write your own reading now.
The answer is h=12 m=45
